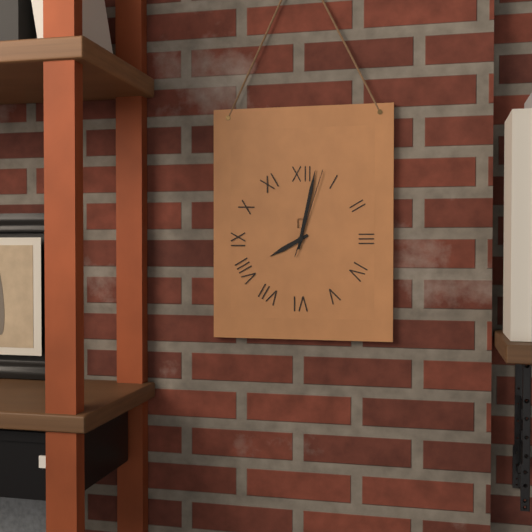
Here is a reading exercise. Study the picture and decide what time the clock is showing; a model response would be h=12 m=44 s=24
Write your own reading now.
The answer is h=8 m=2 s=3
